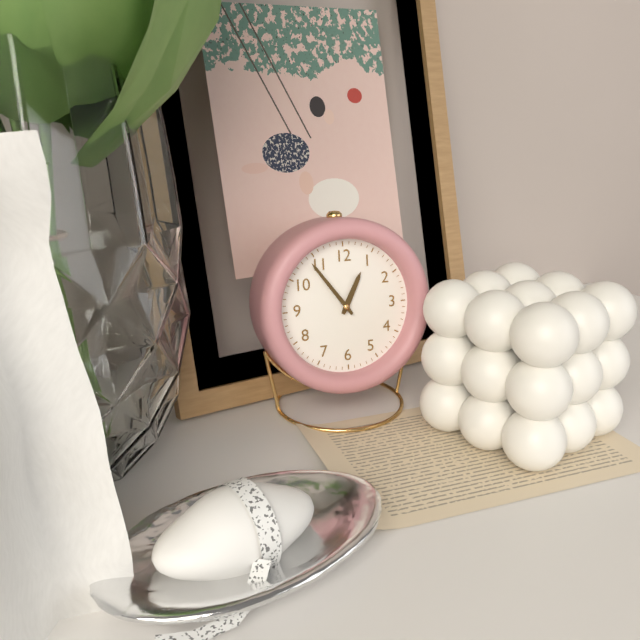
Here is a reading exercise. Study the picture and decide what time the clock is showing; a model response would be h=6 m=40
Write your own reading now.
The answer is h=12 m=54
